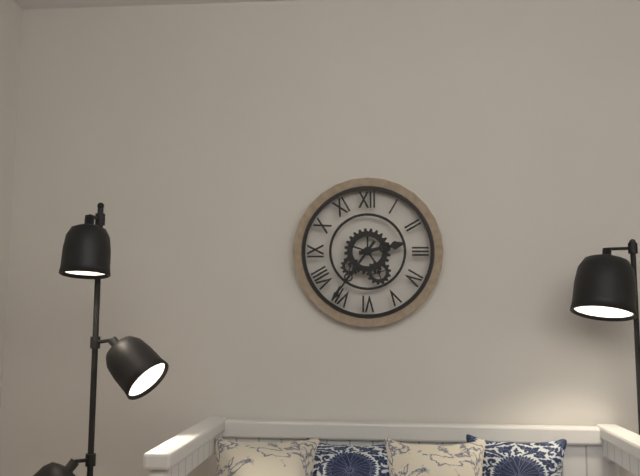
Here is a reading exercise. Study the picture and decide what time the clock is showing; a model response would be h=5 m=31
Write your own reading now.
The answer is h=2 m=36
